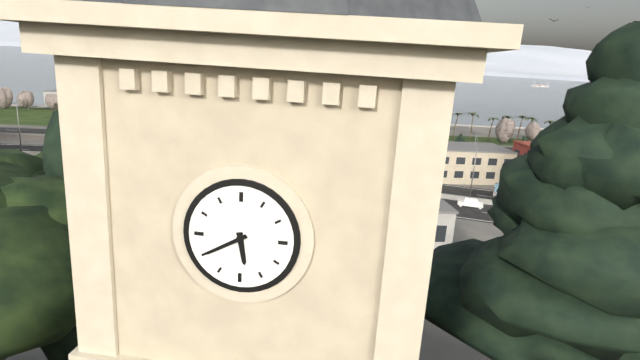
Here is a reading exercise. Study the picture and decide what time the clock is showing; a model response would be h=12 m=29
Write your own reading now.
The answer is h=5 m=40
